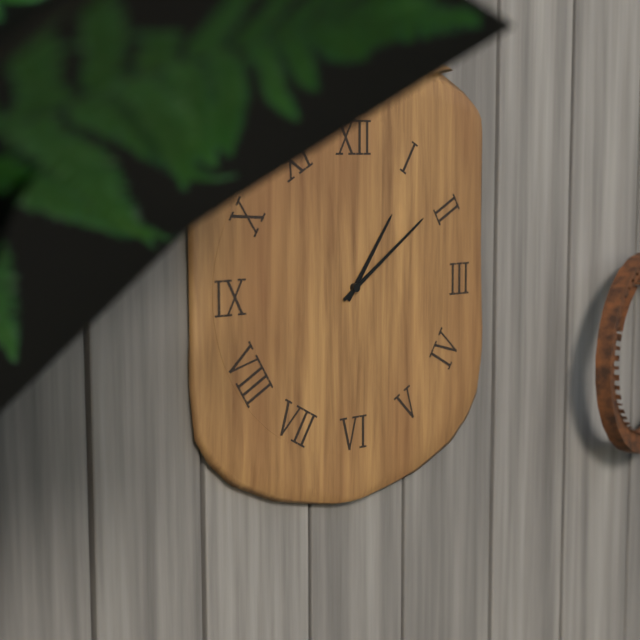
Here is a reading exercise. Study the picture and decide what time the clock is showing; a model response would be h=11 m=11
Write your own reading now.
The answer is h=1 m=9
